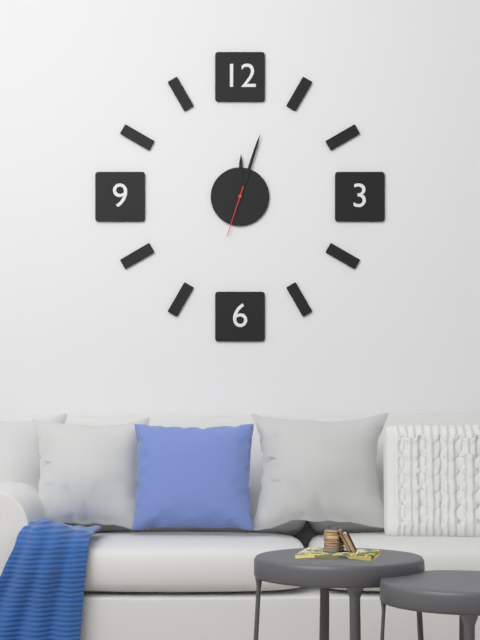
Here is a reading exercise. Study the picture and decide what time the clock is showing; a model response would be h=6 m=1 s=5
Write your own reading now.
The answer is h=12 m=3 s=33
